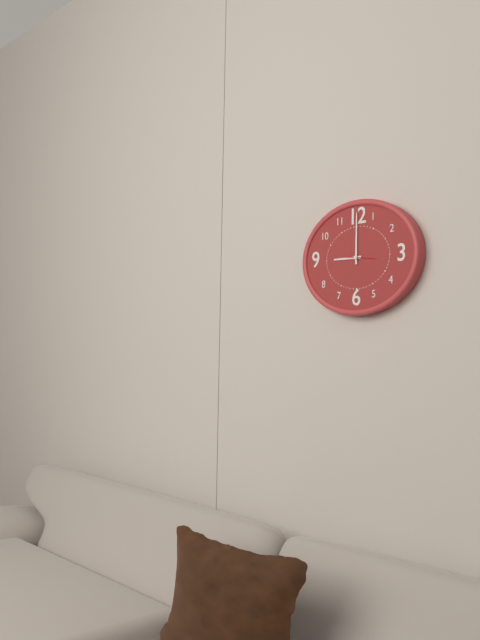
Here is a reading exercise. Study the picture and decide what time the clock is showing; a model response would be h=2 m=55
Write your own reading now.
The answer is h=9 m=0
